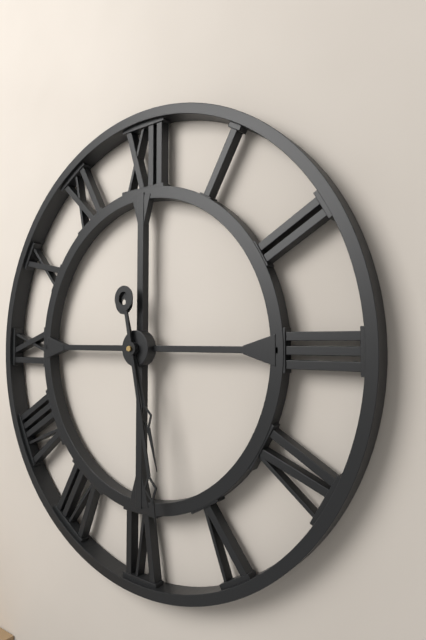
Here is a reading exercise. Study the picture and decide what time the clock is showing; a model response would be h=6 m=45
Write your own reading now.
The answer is h=5 m=28
